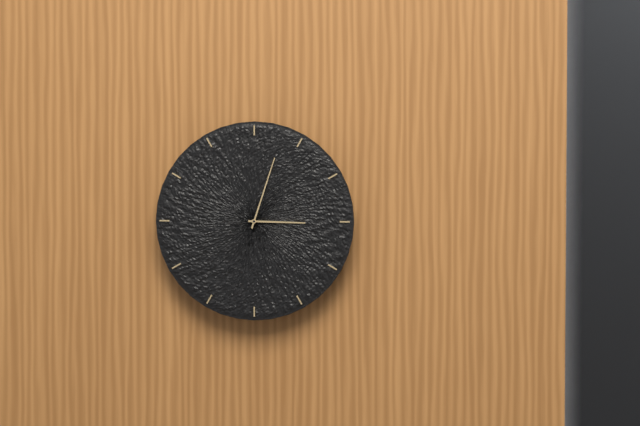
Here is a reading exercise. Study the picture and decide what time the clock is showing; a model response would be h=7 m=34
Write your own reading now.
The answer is h=3 m=3
